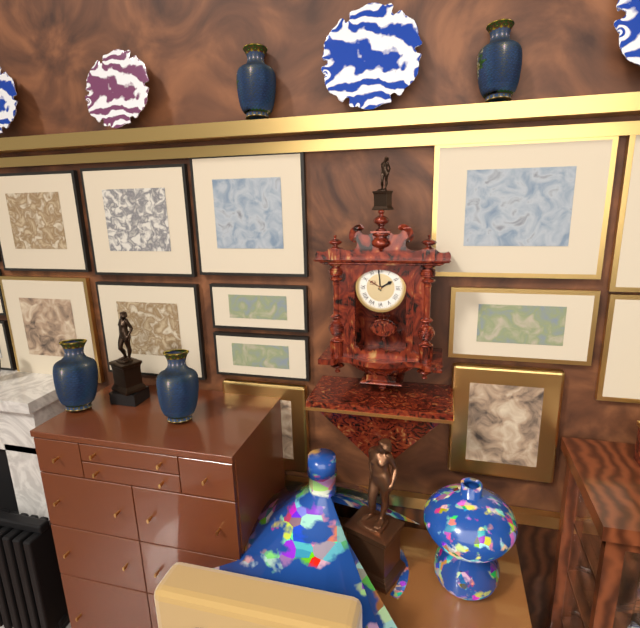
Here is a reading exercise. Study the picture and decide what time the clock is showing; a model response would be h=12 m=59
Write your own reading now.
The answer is h=1 m=59
